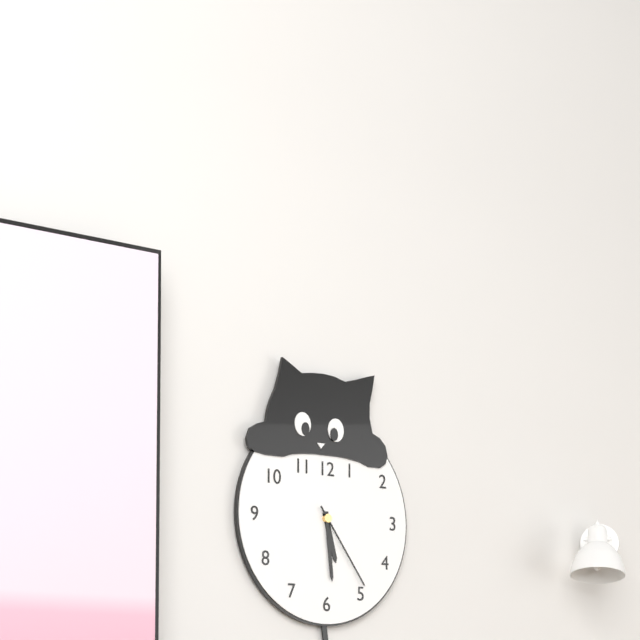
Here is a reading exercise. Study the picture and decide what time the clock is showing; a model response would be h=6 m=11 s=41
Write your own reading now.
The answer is h=5 m=29 s=24
